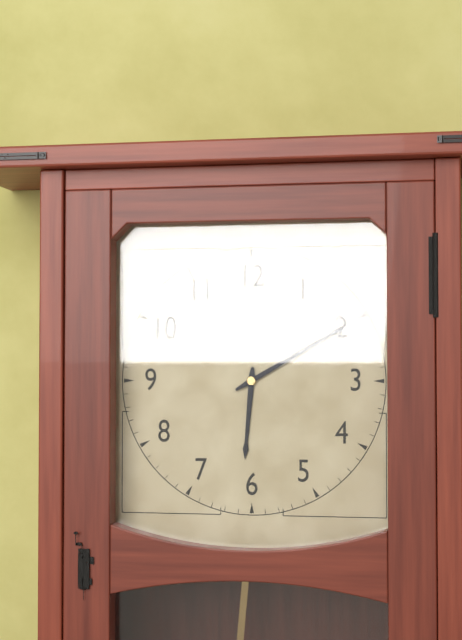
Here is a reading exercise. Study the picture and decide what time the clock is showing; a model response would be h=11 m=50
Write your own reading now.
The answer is h=6 m=10
